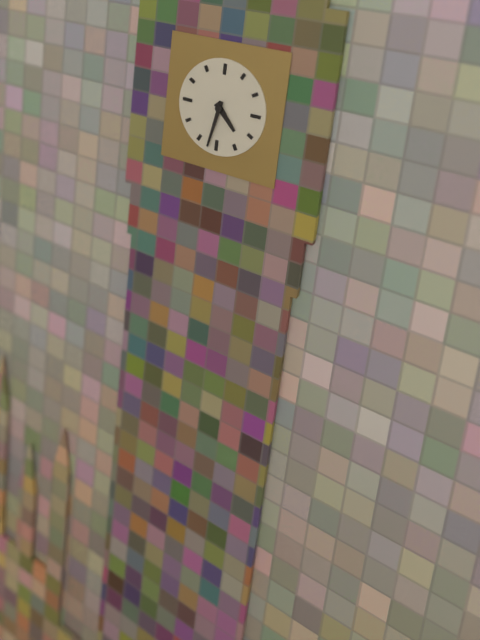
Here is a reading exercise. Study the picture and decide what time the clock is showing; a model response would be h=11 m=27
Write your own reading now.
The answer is h=4 m=32
